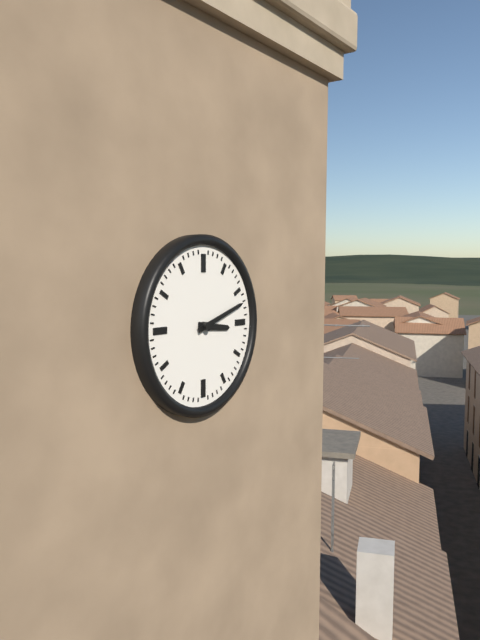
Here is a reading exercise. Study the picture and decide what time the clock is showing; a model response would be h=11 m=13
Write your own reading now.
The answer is h=3 m=12
